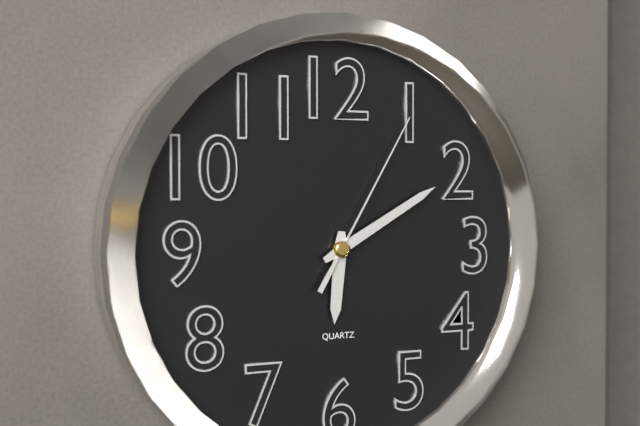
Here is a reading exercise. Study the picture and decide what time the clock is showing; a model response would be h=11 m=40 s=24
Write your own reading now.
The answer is h=6 m=10 s=5
